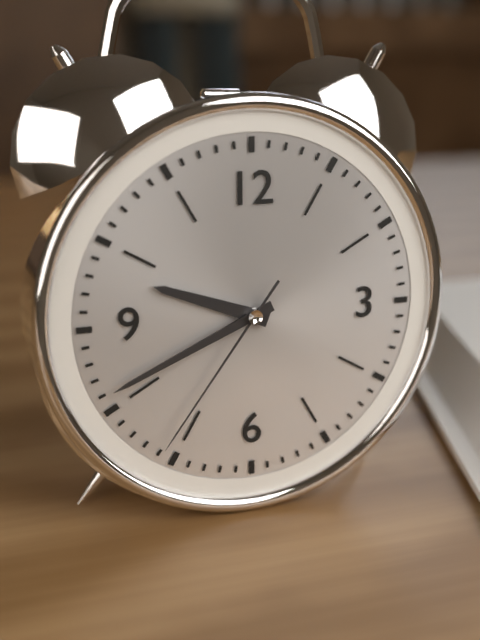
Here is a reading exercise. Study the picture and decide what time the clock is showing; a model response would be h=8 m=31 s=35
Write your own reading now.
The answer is h=9 m=41 s=36
